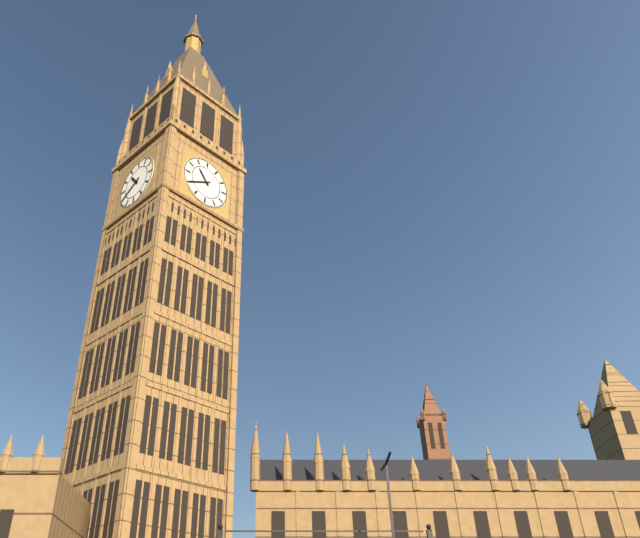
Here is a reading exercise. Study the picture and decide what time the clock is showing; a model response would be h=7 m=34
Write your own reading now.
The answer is h=10 m=40
